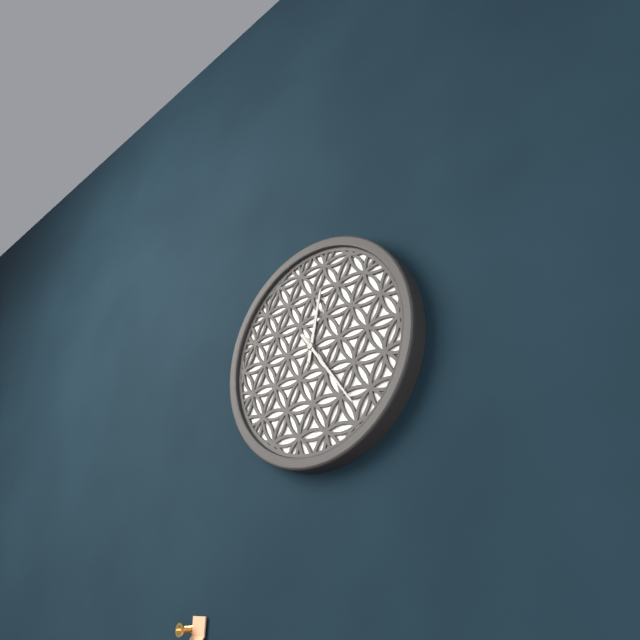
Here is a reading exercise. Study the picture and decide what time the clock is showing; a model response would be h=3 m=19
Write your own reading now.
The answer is h=12 m=24
